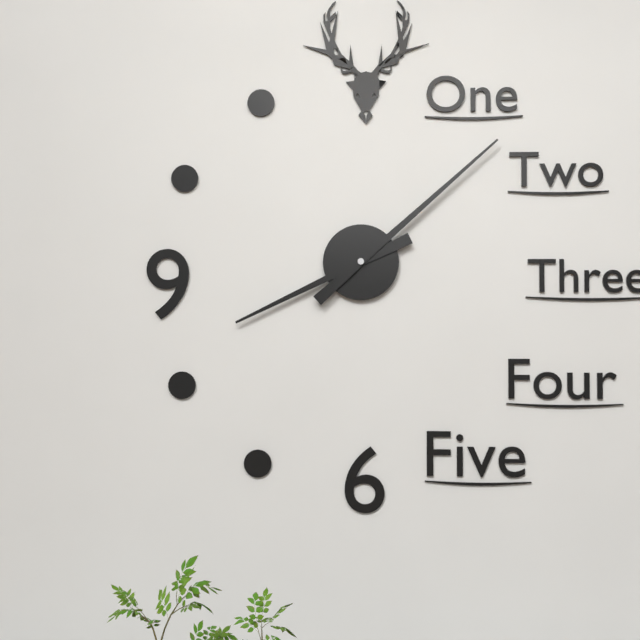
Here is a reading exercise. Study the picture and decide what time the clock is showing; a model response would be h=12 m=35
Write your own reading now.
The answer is h=8 m=8
